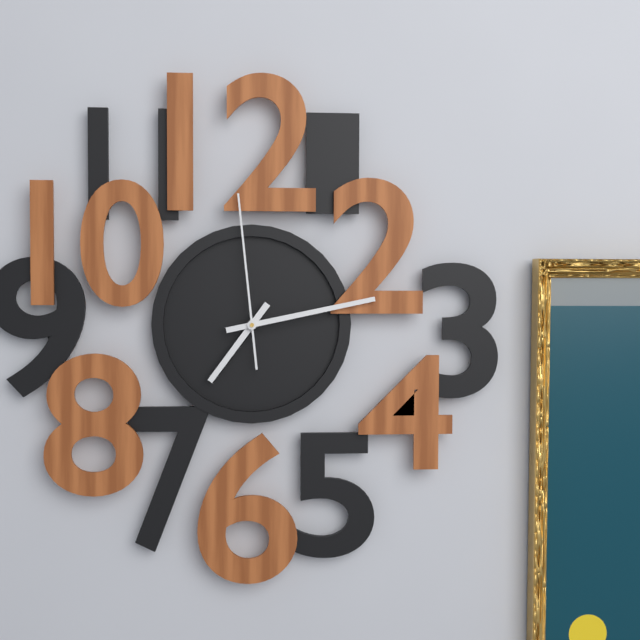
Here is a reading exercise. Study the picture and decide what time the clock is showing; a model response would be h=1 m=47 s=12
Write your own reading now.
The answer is h=7 m=13 s=59
